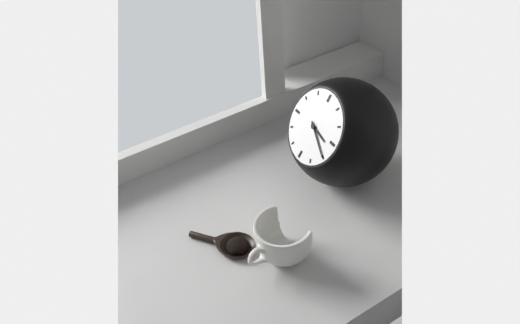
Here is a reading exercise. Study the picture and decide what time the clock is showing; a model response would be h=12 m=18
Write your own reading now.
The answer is h=3 m=20
